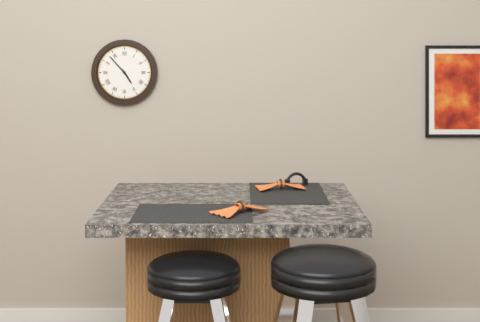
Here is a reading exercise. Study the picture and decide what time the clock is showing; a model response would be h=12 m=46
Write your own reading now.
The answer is h=4 m=53
